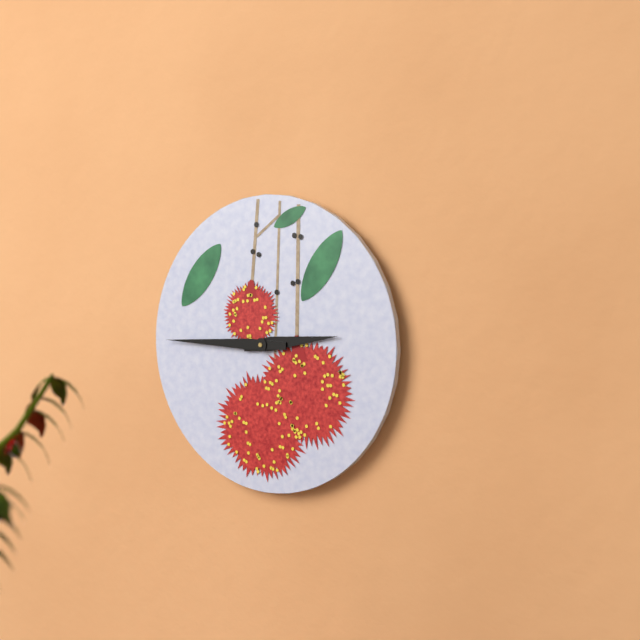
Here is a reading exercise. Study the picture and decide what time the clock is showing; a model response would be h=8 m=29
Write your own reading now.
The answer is h=2 m=45
